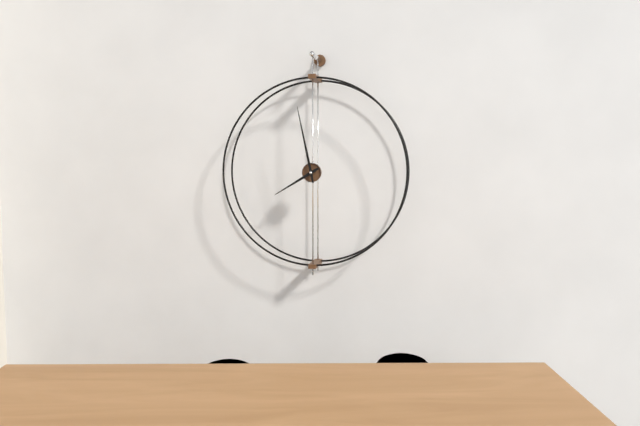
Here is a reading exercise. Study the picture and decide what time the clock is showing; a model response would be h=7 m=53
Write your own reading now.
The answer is h=7 m=58
